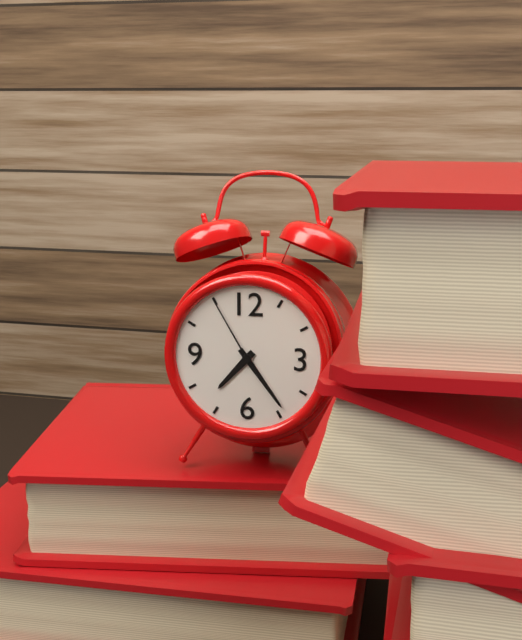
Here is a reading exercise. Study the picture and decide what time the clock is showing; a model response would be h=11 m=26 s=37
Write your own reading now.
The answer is h=7 m=24 s=55
